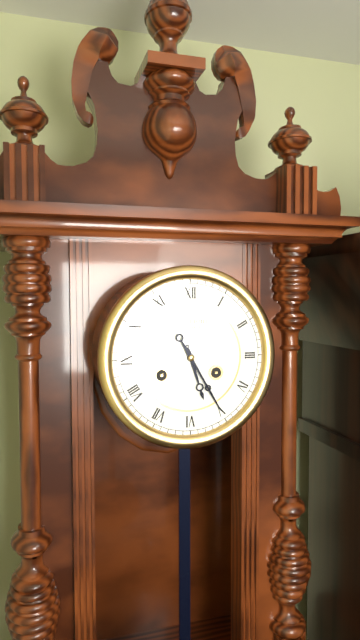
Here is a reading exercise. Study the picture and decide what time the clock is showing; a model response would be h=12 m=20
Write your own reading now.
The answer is h=5 m=25
